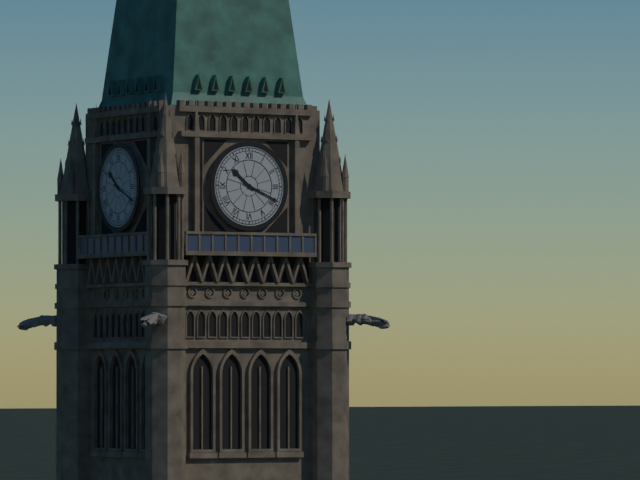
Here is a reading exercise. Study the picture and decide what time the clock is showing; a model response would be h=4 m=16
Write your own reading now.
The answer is h=10 m=19
